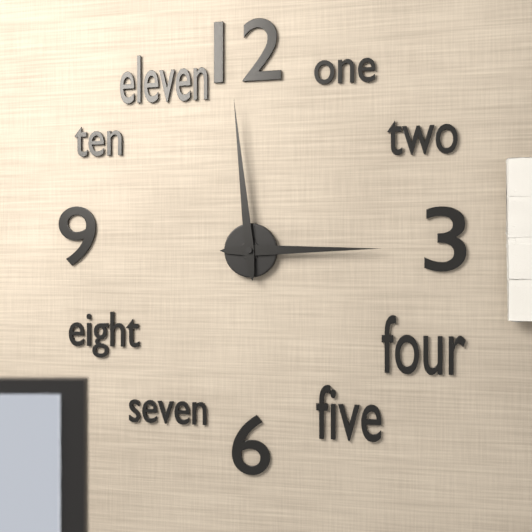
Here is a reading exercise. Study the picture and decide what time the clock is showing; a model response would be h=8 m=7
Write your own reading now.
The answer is h=2 m=59
